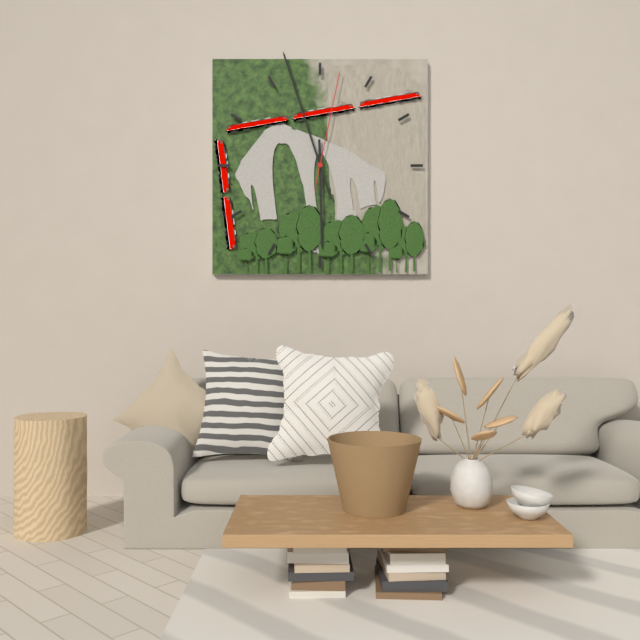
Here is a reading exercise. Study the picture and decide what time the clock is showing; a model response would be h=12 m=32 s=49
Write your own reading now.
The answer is h=5 m=57 s=2
